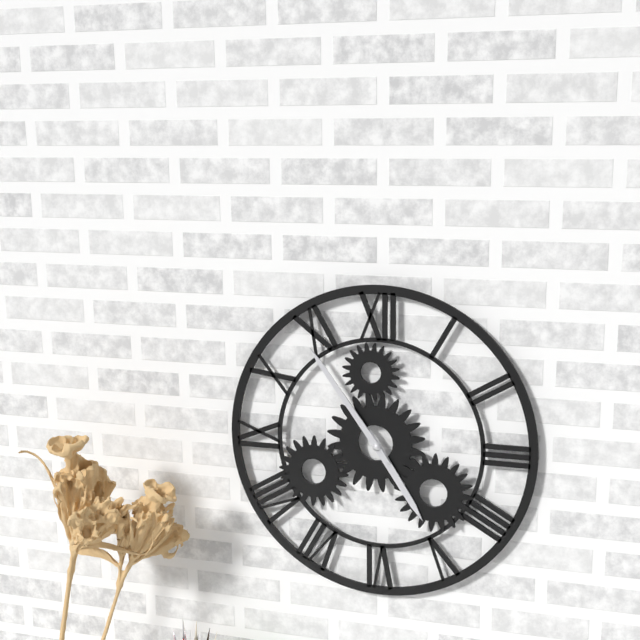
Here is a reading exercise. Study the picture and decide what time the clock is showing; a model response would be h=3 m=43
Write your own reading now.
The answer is h=4 m=54
